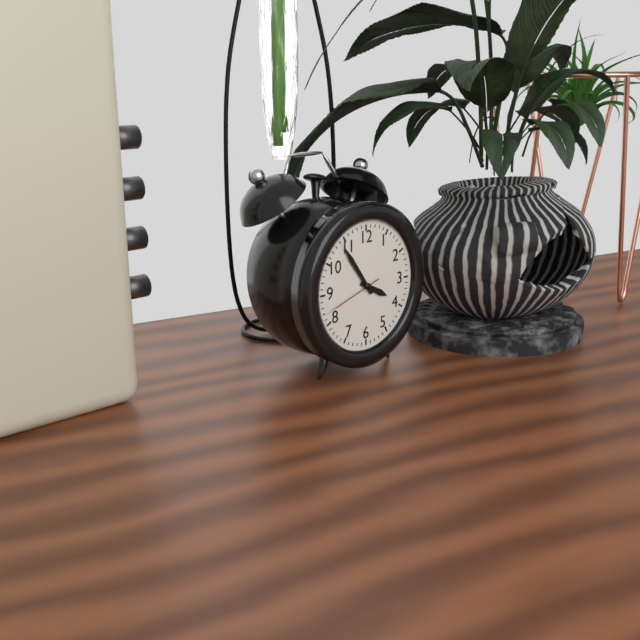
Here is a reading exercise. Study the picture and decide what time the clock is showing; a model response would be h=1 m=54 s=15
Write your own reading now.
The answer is h=3 m=54 s=42
